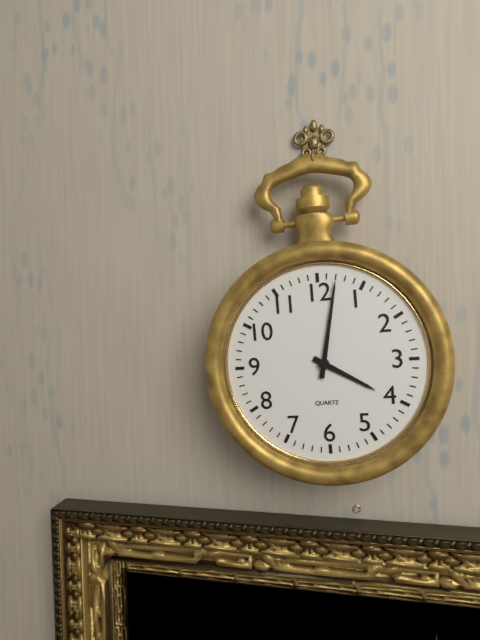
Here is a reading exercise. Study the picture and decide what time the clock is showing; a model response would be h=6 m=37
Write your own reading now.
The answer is h=4 m=2
